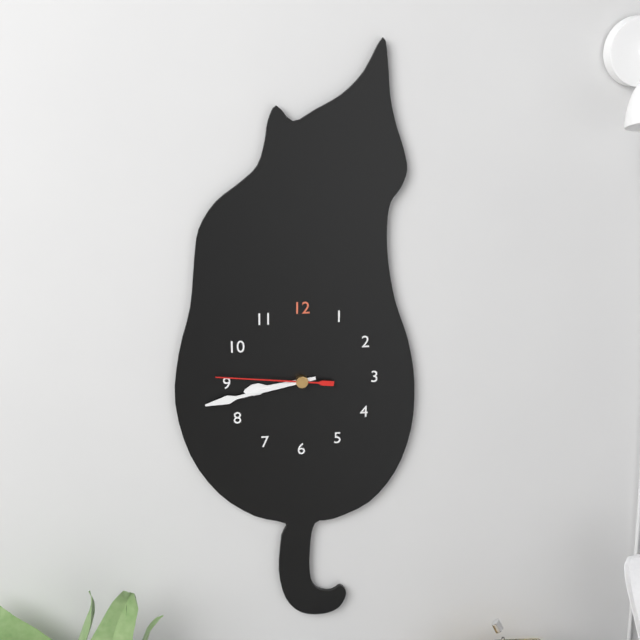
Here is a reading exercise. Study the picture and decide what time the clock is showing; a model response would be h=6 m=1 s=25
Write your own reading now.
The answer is h=8 m=43 s=46
